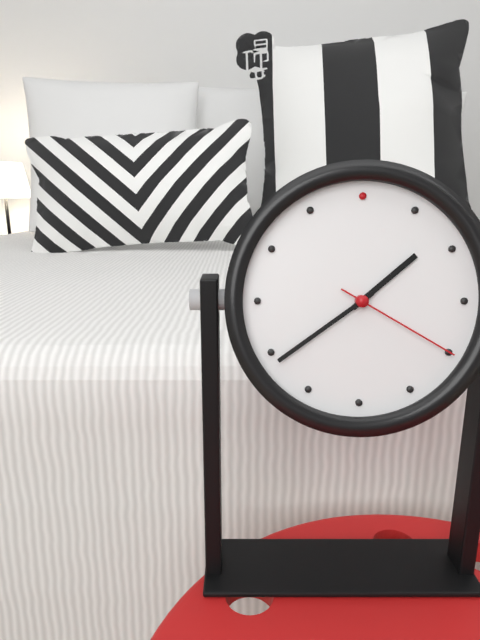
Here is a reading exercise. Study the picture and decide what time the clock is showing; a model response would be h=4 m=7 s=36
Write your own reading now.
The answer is h=1 m=39 s=20
